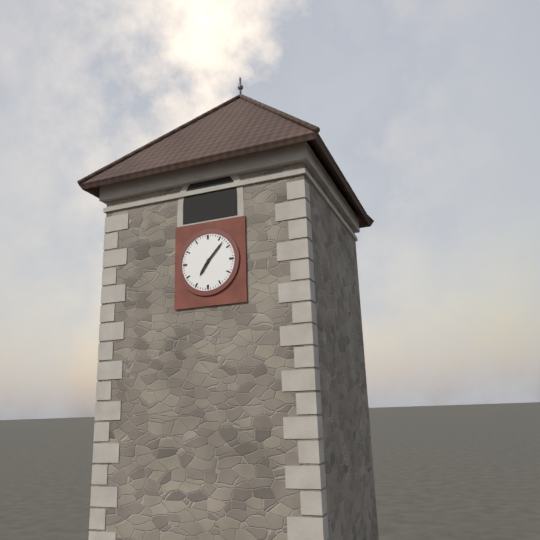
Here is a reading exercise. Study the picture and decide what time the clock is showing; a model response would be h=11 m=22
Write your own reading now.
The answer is h=7 m=7
